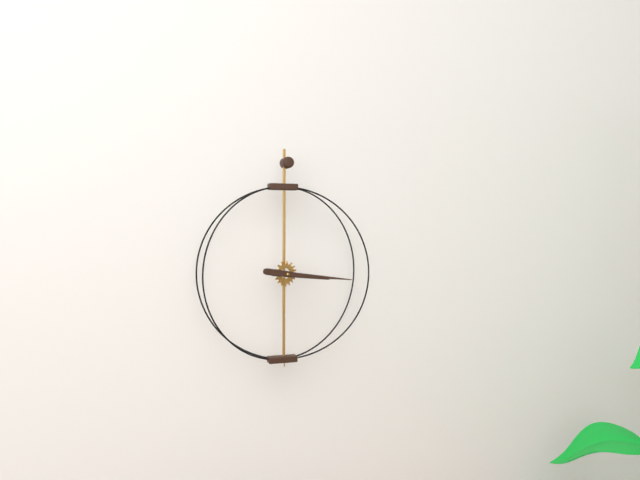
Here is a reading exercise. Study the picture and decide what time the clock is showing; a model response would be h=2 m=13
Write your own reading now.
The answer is h=3 m=16
